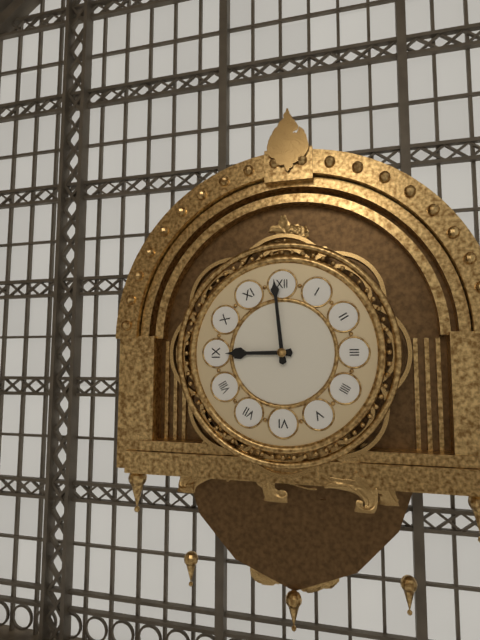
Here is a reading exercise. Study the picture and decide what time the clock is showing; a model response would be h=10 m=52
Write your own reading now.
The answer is h=8 m=59
